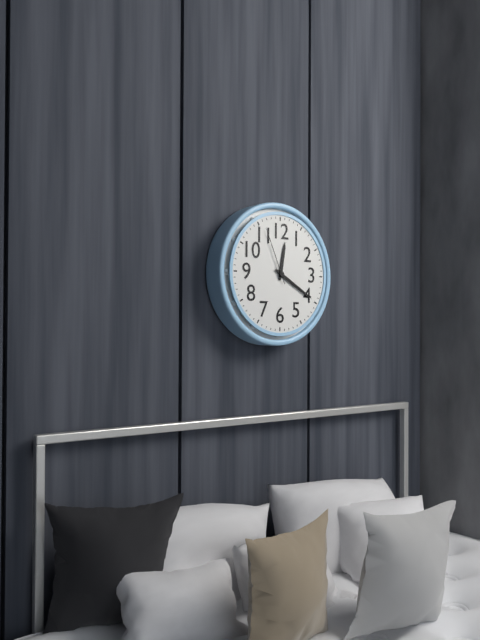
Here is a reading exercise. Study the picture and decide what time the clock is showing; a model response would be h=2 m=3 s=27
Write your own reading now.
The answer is h=12 m=20 s=56
